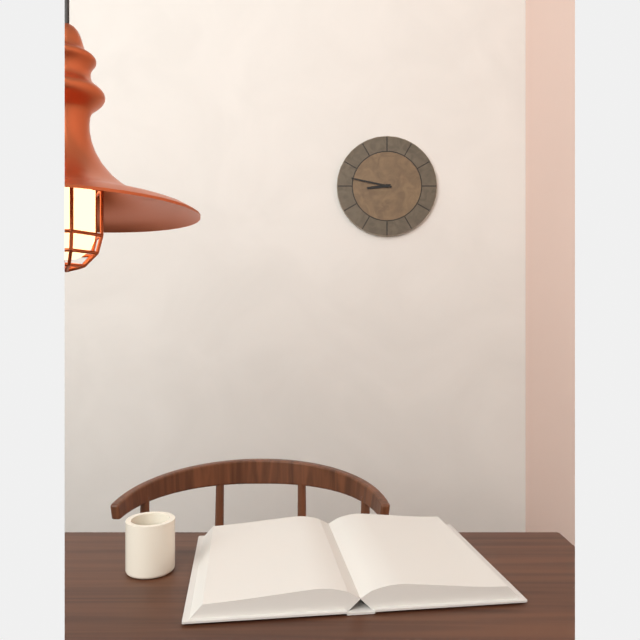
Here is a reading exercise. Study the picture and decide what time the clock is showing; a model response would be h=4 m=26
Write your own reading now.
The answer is h=8 m=47
